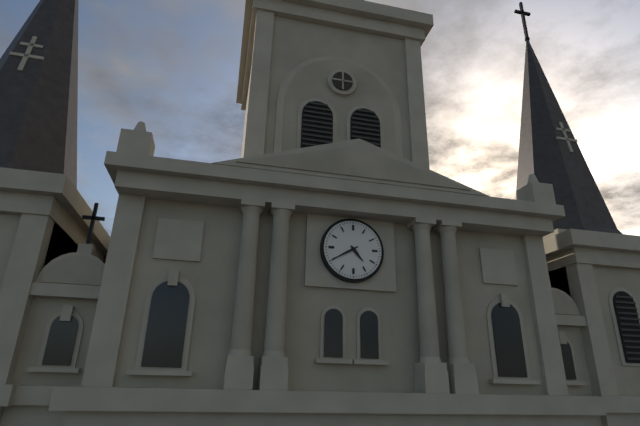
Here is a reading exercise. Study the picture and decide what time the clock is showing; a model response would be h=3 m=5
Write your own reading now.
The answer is h=4 m=40
